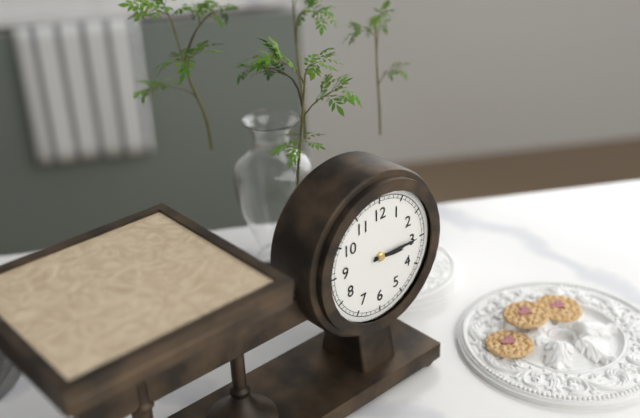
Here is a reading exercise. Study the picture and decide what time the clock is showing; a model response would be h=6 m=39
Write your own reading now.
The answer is h=3 m=15
